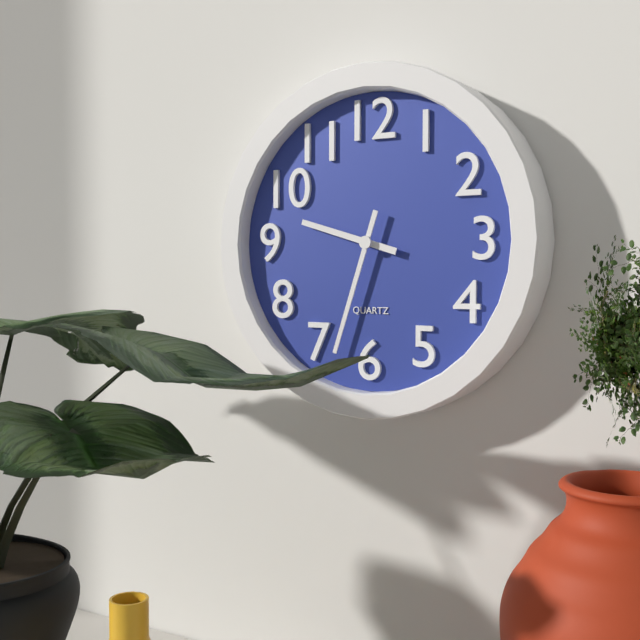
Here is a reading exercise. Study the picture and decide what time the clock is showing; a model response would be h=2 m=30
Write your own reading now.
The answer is h=9 m=33
